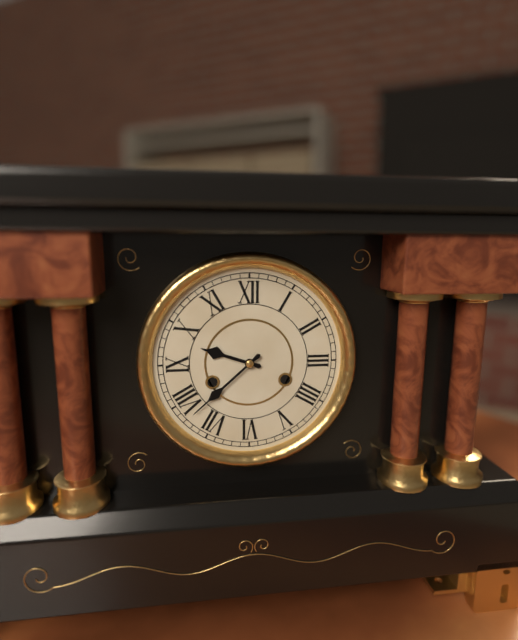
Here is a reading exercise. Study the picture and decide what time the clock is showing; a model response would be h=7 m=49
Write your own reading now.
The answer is h=9 m=38
